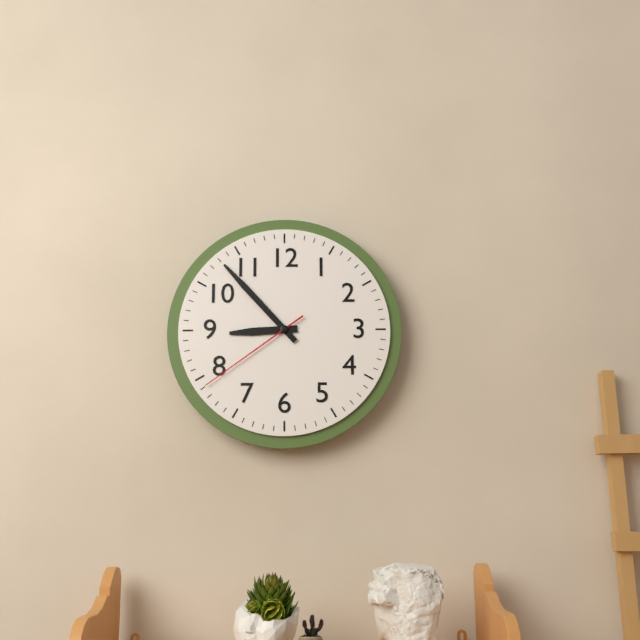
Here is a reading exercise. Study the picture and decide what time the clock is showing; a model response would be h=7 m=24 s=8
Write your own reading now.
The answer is h=8 m=53 s=39
